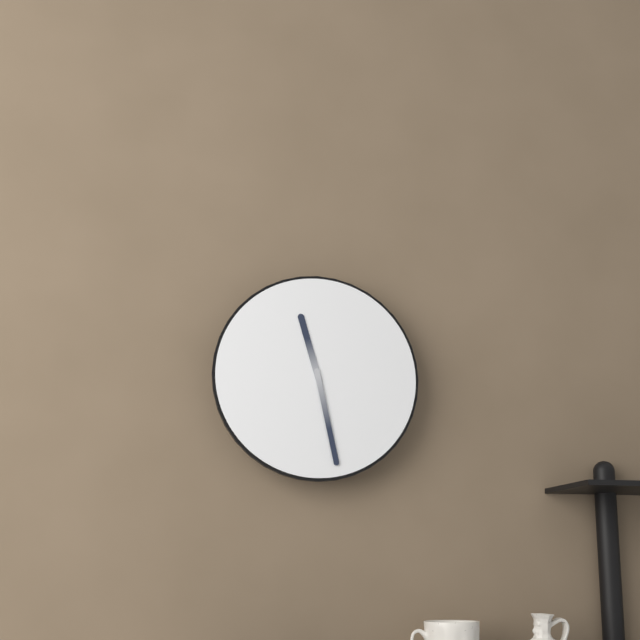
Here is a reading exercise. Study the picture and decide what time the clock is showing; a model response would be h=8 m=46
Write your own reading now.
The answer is h=11 m=28
